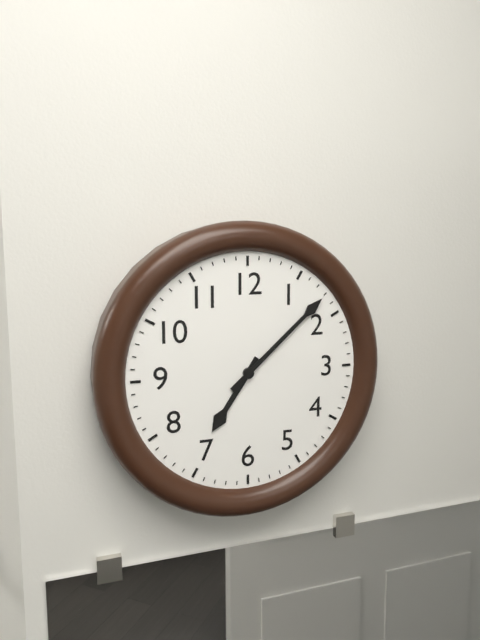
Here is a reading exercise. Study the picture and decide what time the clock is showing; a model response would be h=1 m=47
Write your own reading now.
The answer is h=7 m=8
